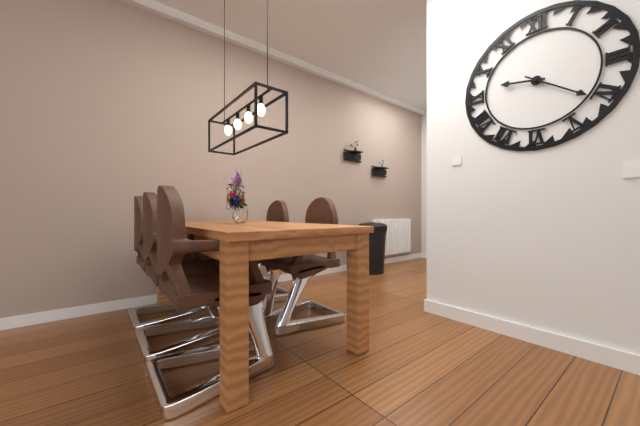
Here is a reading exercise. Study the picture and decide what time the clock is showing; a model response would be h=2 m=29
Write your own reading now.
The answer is h=9 m=21
